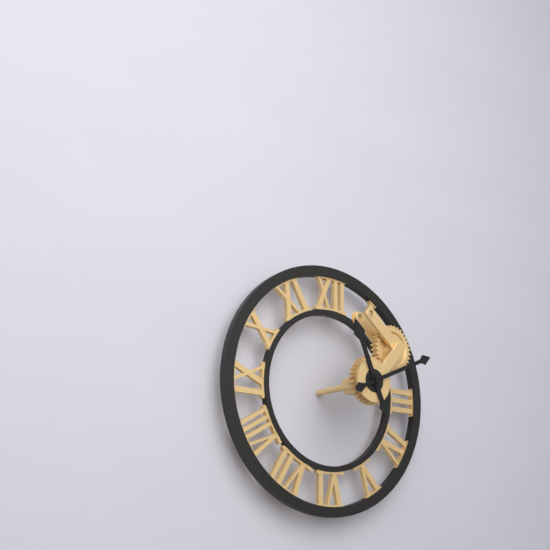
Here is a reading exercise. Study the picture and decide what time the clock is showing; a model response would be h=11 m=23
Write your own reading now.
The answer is h=11 m=11
